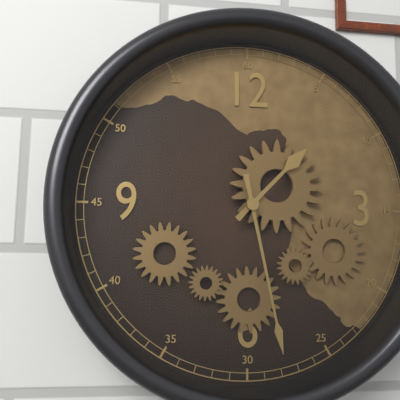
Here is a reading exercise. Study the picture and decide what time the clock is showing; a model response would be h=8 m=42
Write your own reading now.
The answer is h=1 m=28
